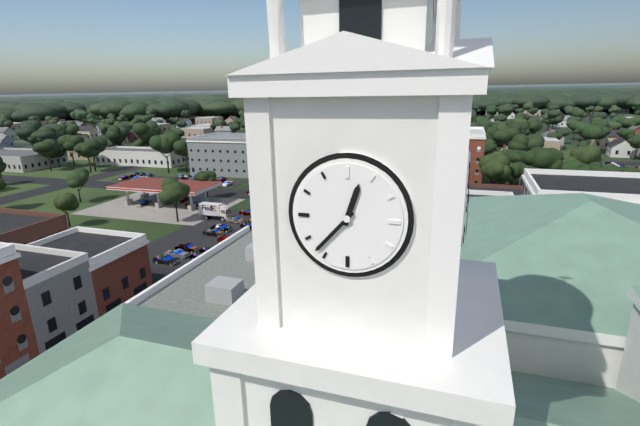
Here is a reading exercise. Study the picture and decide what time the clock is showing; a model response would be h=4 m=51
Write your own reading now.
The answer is h=12 m=37
